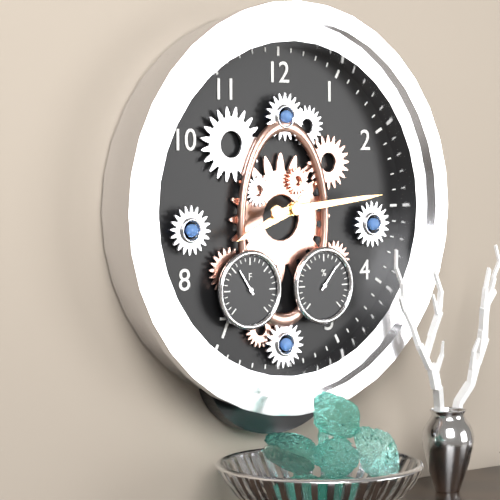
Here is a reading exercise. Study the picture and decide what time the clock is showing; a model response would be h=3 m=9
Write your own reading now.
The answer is h=8 m=14
